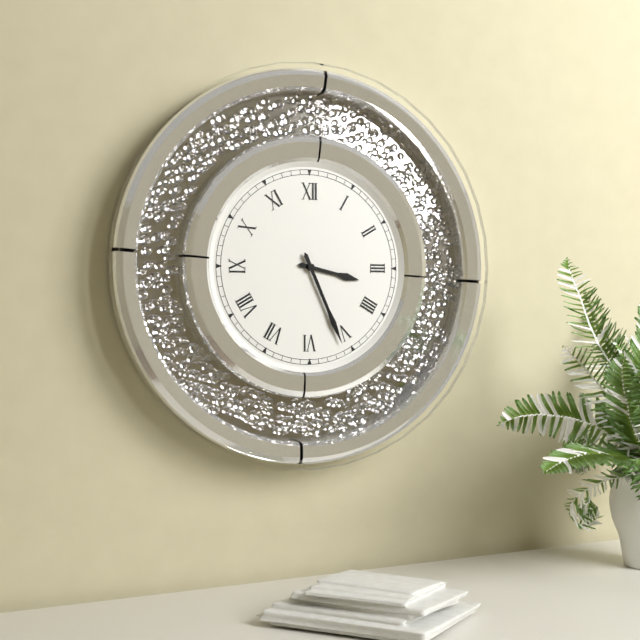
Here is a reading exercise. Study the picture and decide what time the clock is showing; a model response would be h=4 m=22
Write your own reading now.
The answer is h=3 m=26
